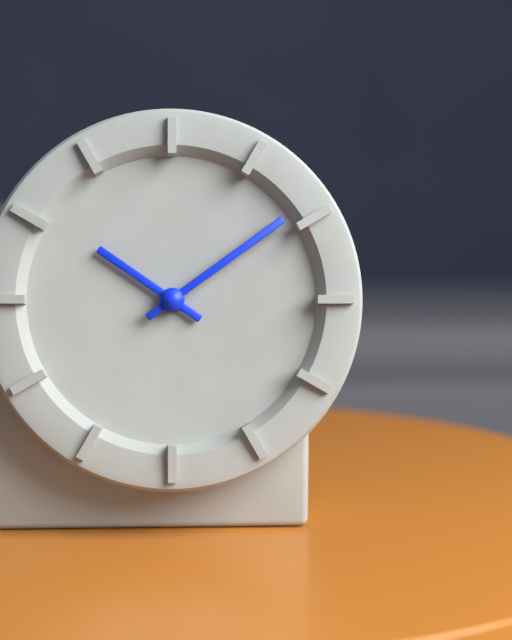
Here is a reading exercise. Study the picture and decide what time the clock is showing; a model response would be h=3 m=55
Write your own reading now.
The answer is h=10 m=9
